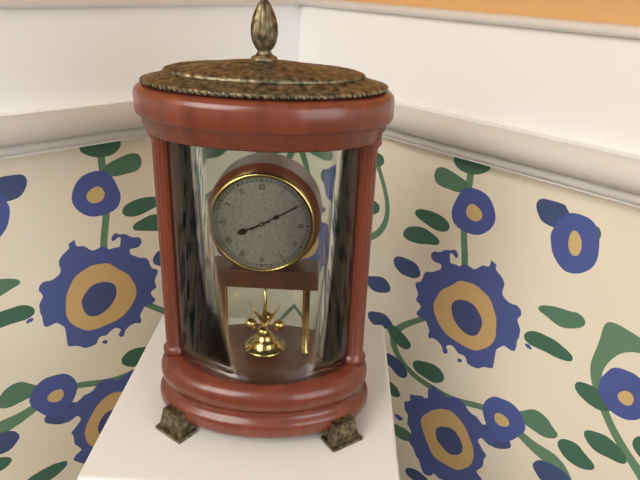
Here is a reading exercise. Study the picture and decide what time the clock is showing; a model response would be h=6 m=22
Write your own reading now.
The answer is h=8 m=10
